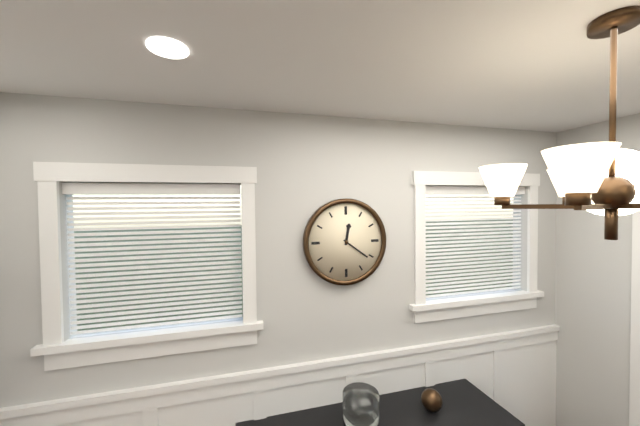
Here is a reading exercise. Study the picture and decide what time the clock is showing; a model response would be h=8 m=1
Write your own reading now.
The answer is h=12 m=21
